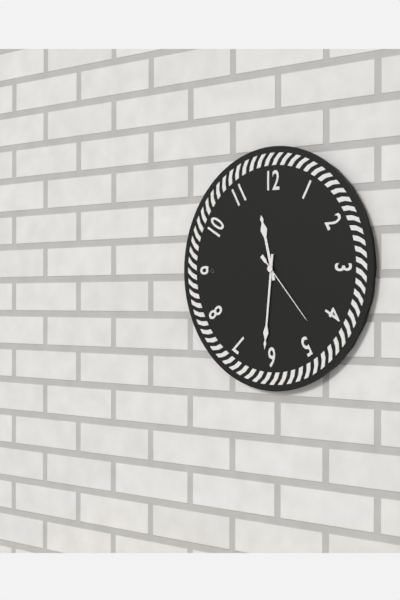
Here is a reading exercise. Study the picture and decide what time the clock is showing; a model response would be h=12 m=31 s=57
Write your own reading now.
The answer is h=11 m=31 s=23
